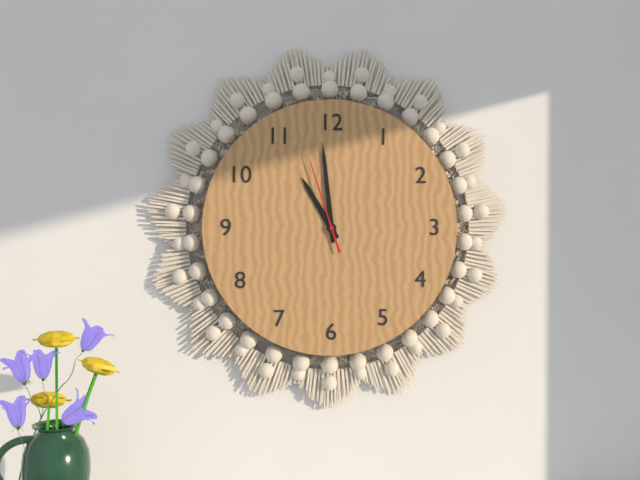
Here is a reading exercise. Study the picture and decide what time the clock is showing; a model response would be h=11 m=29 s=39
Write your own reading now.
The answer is h=10 m=59 s=57
